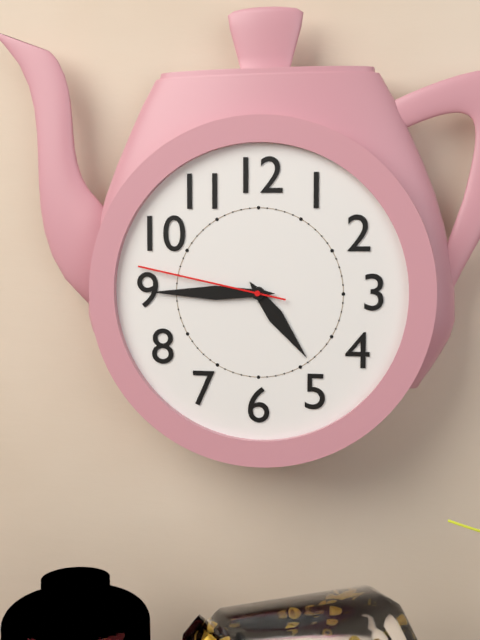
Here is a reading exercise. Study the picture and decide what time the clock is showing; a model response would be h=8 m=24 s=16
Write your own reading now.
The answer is h=4 m=45 s=47
